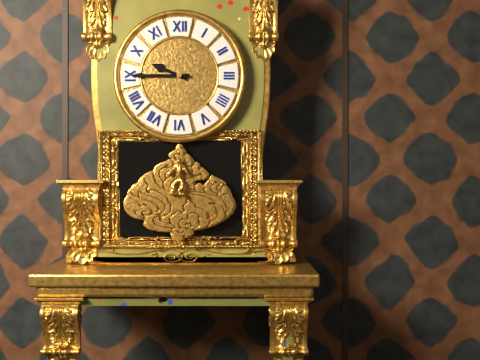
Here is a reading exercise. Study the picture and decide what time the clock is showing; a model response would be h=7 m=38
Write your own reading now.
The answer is h=9 m=45
